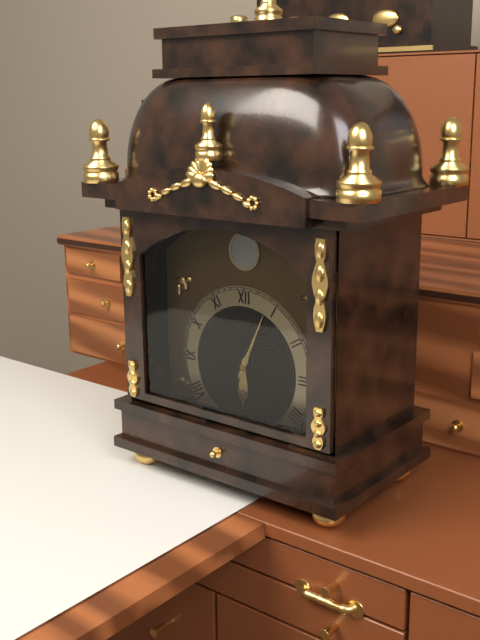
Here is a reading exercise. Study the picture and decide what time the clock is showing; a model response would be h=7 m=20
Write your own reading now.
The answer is h=6 m=4
